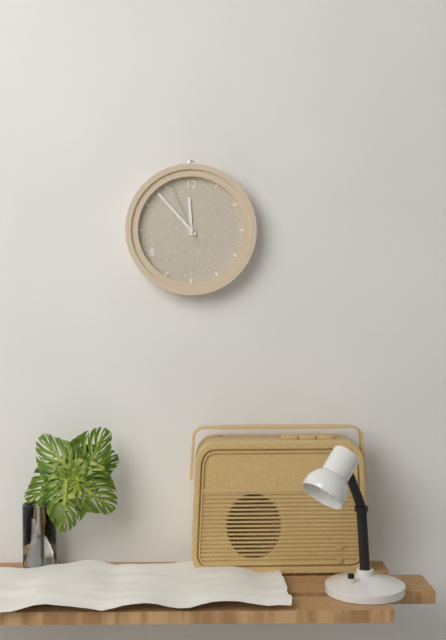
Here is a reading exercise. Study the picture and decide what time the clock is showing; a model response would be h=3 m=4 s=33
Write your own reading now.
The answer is h=11 m=53 s=56
